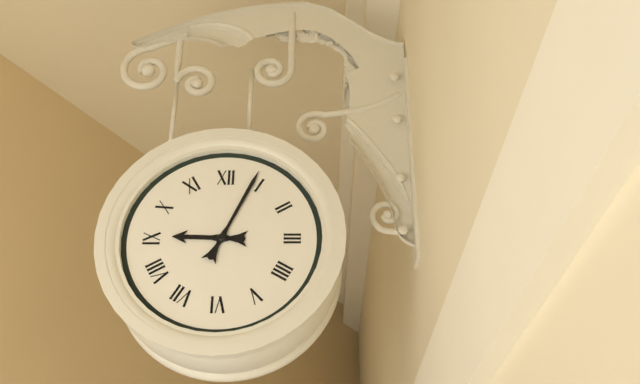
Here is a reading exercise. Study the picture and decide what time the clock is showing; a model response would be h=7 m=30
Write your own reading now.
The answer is h=9 m=4
